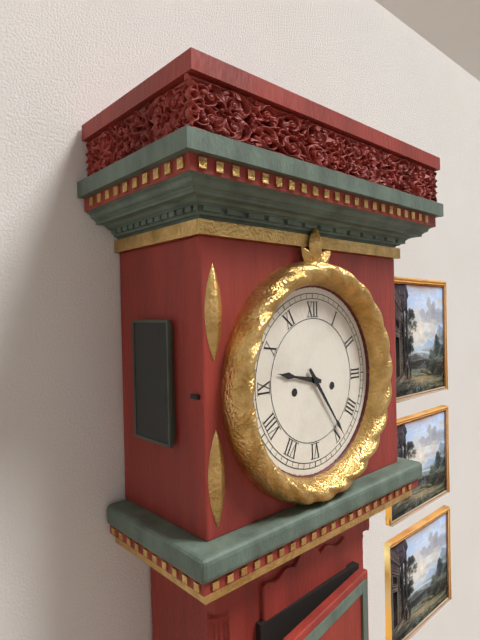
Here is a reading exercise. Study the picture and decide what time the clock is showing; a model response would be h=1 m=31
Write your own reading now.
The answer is h=9 m=24
